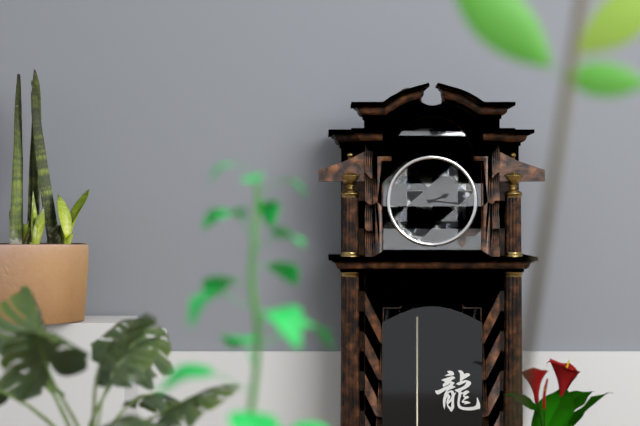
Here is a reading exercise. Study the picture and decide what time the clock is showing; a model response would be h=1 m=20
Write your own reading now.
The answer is h=2 m=16
